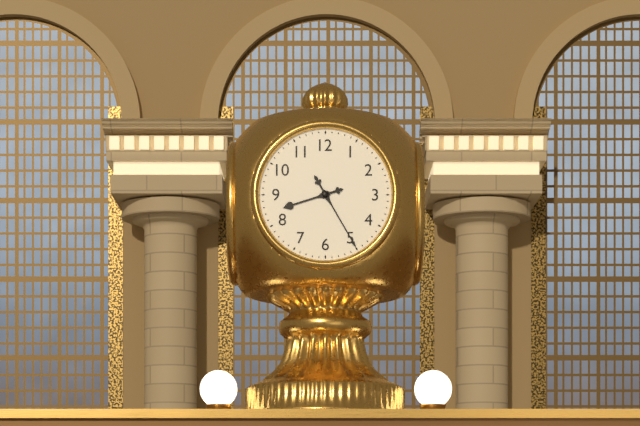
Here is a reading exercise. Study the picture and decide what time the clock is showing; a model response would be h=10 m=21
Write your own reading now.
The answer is h=8 m=25
